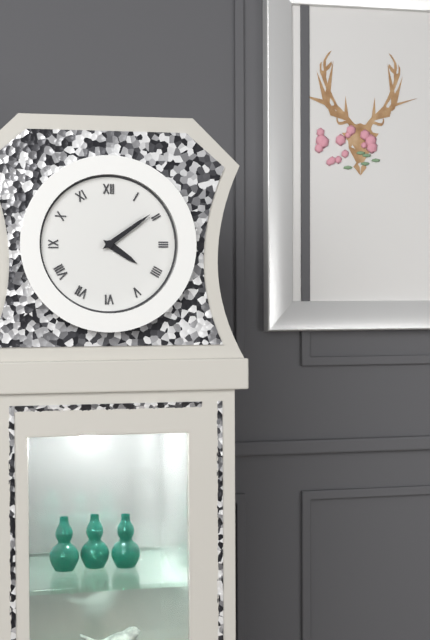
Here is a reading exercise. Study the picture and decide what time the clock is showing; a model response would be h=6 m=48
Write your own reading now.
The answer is h=4 m=9
